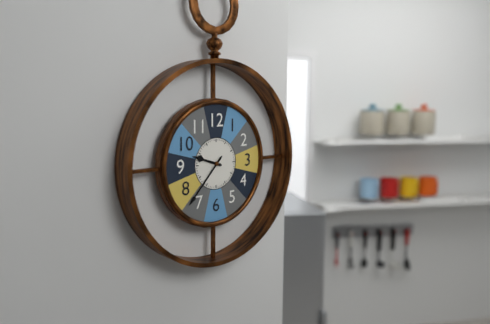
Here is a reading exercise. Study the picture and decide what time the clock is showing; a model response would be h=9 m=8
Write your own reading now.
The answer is h=9 m=37
